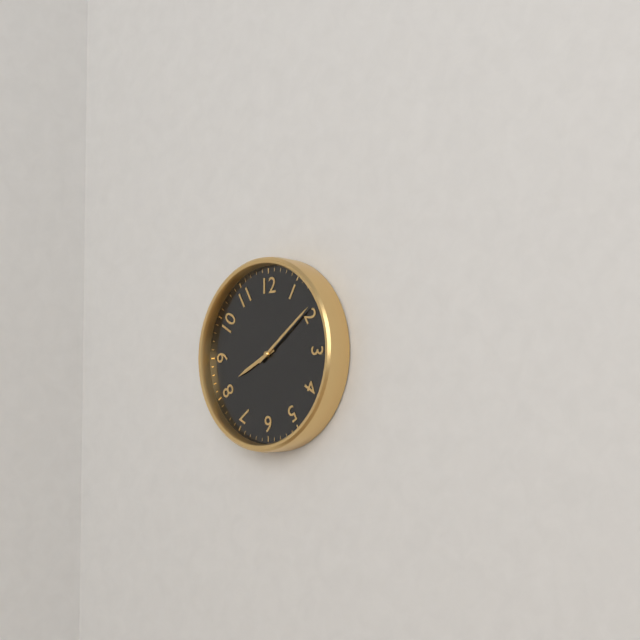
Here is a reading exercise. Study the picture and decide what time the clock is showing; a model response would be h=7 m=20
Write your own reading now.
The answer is h=8 m=9
